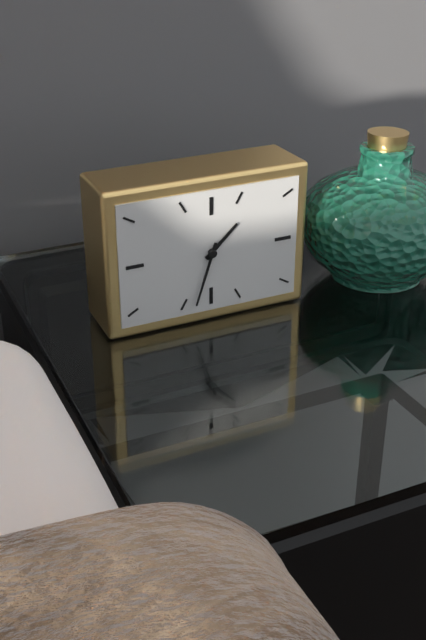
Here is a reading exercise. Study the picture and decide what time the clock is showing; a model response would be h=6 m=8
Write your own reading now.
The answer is h=1 m=33
